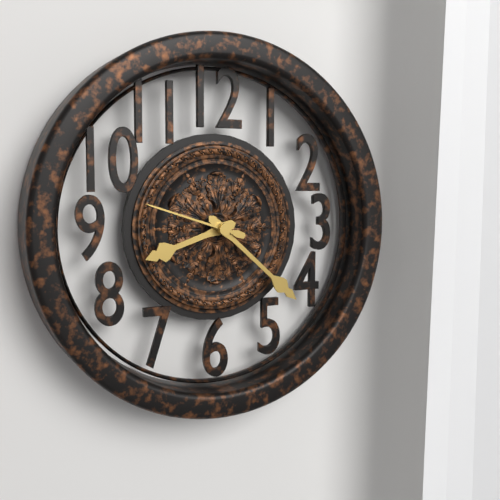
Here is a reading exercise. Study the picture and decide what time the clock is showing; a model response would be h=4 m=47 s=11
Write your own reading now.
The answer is h=8 m=22 s=48
